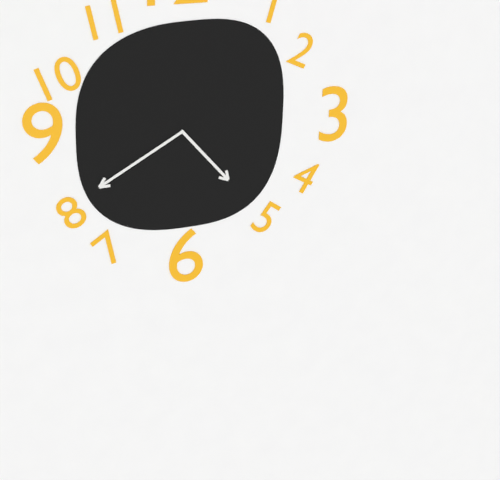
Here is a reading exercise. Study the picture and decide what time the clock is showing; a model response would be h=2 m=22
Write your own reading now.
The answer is h=4 m=40
